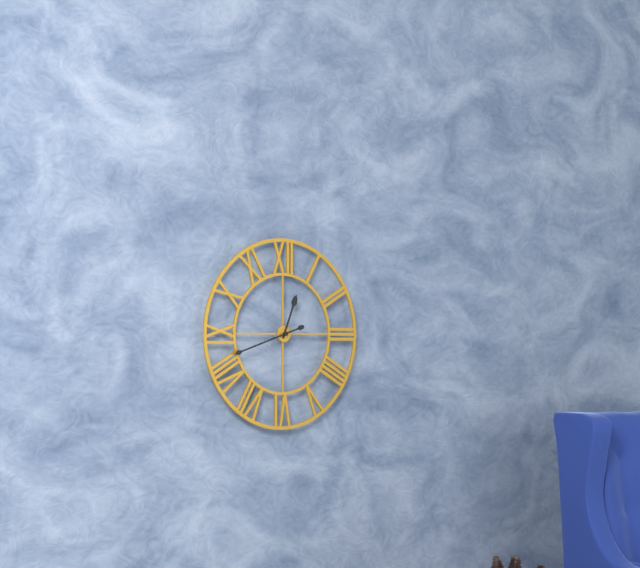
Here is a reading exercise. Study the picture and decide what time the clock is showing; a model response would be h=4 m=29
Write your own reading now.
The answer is h=12 m=42
